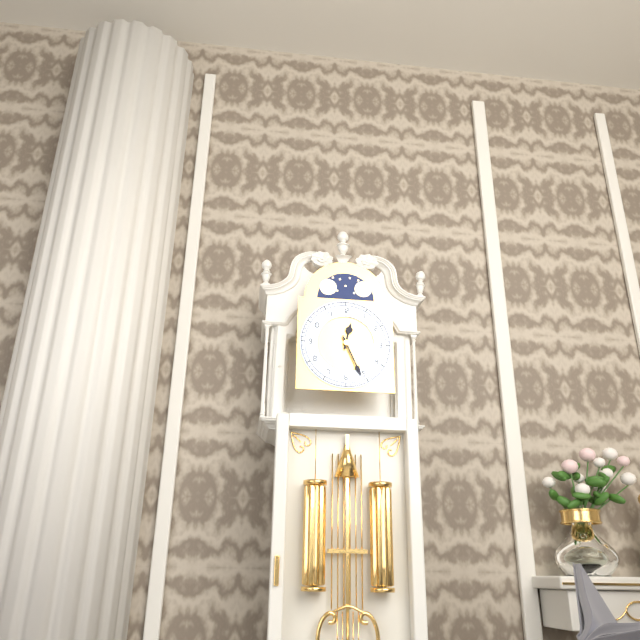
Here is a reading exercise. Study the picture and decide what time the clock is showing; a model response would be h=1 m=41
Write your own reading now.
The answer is h=12 m=26
